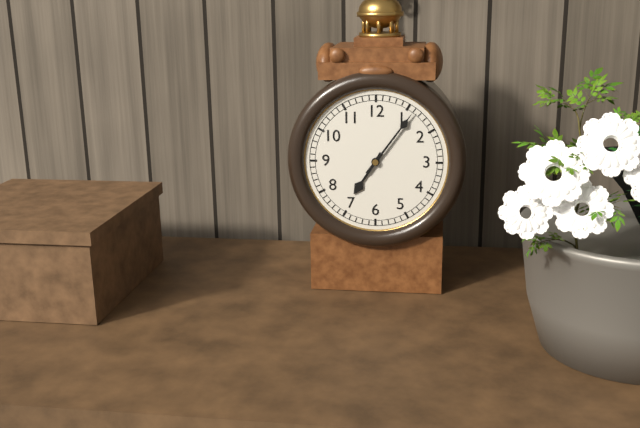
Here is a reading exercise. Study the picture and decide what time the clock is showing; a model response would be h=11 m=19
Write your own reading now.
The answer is h=7 m=6
